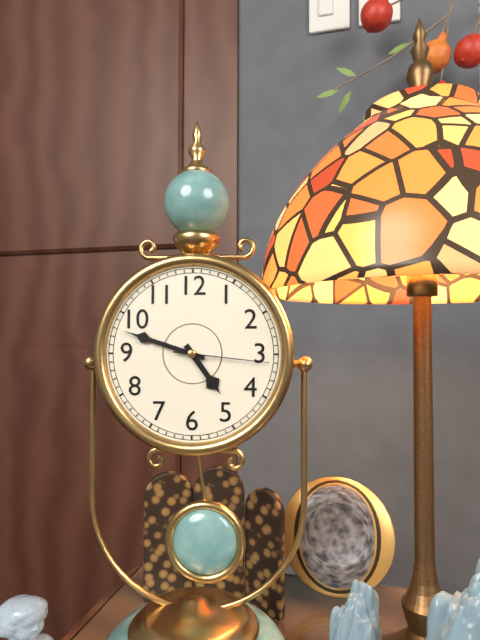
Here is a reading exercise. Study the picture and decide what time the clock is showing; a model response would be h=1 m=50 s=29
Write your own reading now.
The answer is h=4 m=48 s=16
